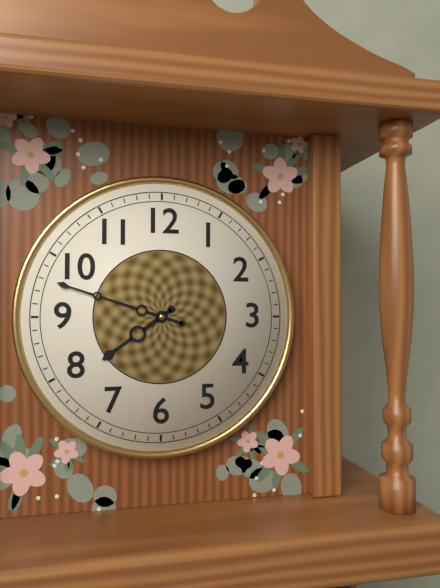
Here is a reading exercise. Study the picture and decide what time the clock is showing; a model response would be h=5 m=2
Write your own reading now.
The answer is h=7 m=48
